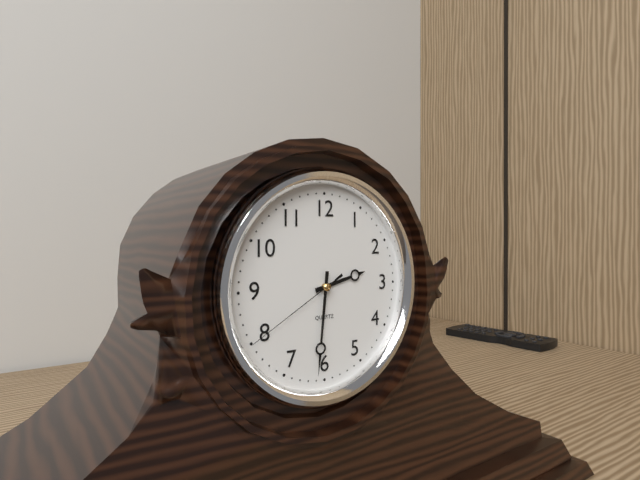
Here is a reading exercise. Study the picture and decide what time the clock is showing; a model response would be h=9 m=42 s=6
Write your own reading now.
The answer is h=2 m=31 s=40
